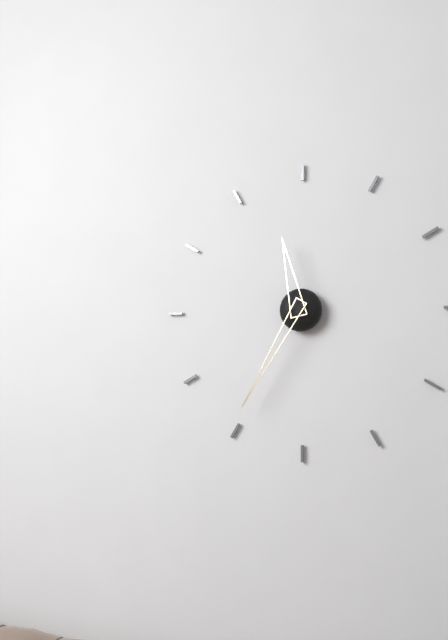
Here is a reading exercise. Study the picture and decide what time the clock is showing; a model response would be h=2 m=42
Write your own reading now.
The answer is h=11 m=35
